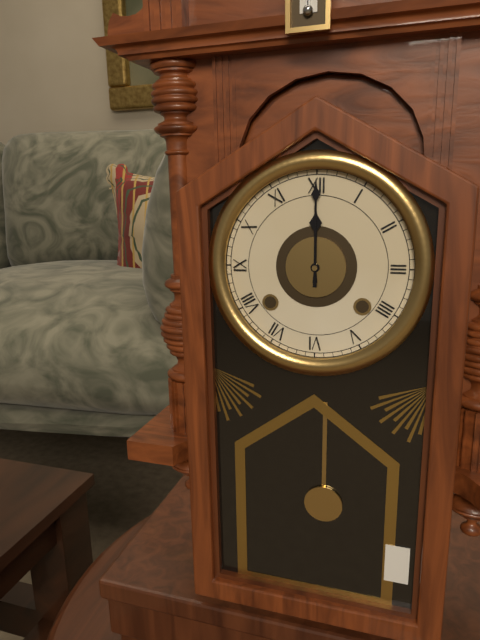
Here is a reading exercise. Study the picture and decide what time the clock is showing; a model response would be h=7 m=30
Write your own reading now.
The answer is h=12 m=0
